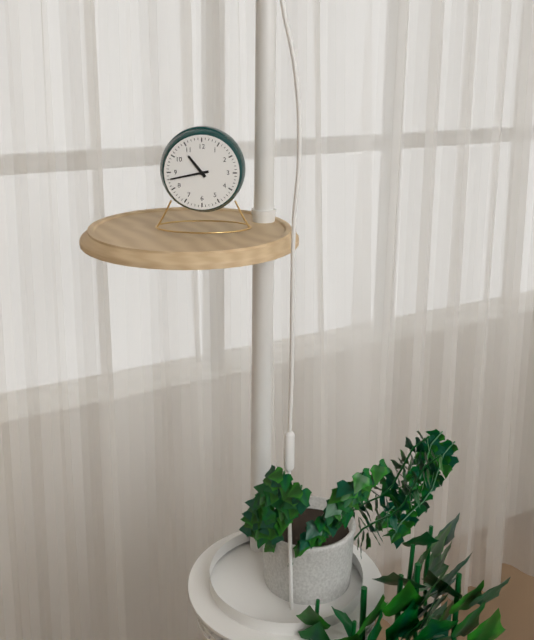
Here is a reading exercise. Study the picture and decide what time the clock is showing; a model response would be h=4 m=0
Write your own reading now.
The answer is h=10 m=43
